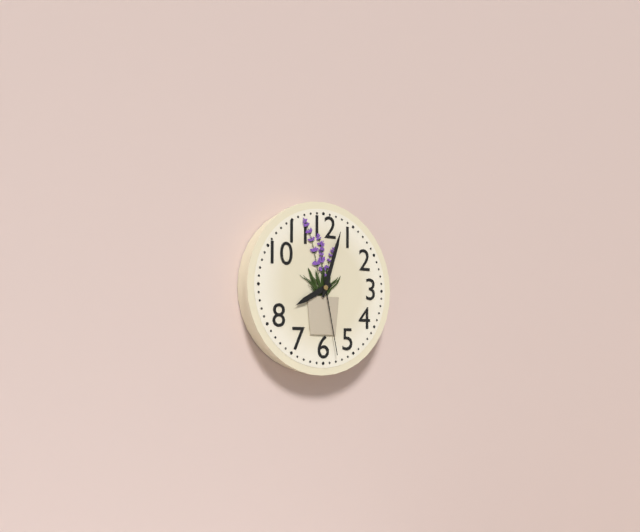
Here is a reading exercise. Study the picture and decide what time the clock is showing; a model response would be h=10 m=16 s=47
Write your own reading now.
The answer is h=8 m=3 s=28
